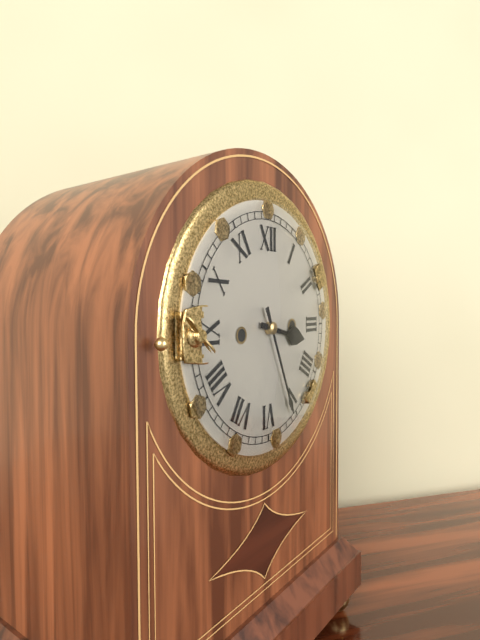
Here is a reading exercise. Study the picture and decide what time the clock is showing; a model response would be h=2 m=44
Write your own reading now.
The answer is h=3 m=26
